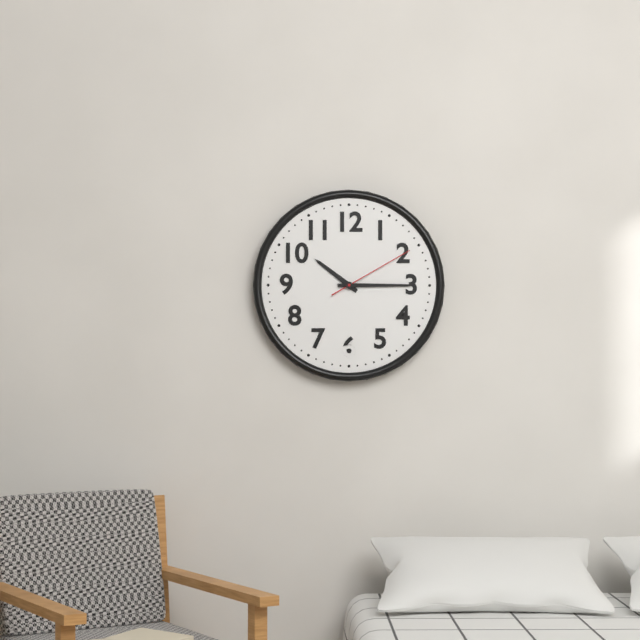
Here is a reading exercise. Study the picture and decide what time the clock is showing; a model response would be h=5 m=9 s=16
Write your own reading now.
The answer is h=10 m=15 s=10
